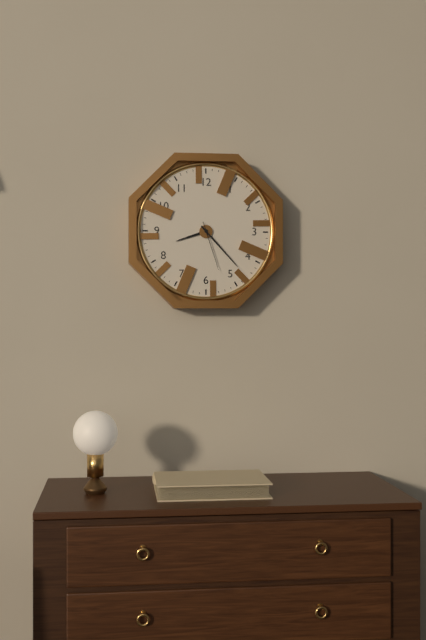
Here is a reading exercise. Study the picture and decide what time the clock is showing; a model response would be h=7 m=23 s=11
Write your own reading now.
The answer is h=8 m=23 s=27
